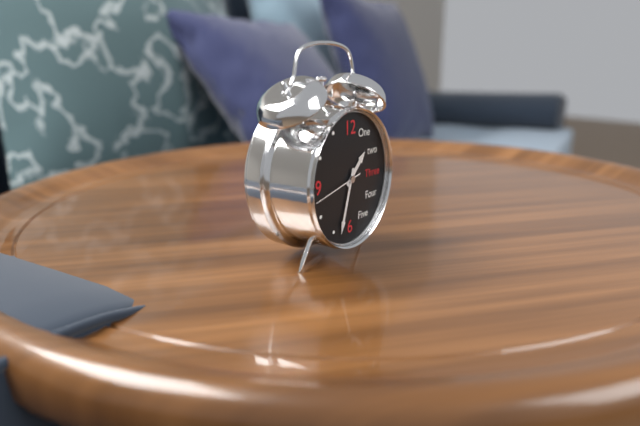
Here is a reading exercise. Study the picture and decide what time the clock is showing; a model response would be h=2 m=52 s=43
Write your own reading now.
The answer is h=1 m=33 s=43
